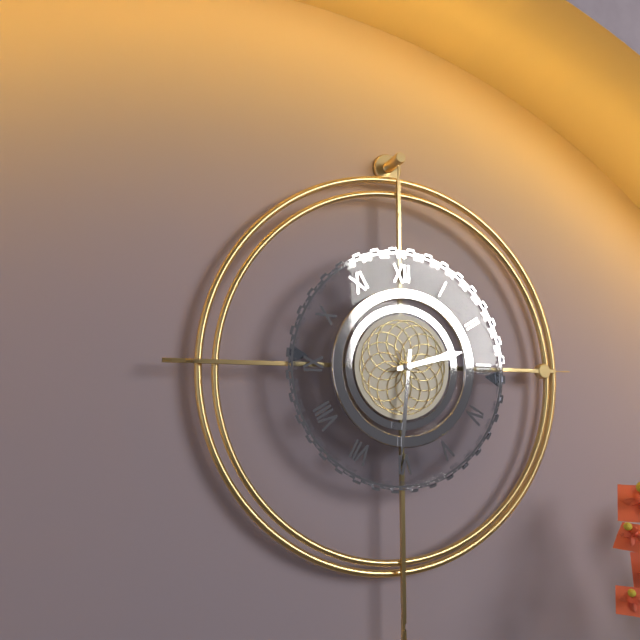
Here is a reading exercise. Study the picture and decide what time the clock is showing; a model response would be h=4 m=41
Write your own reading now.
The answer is h=2 m=31
